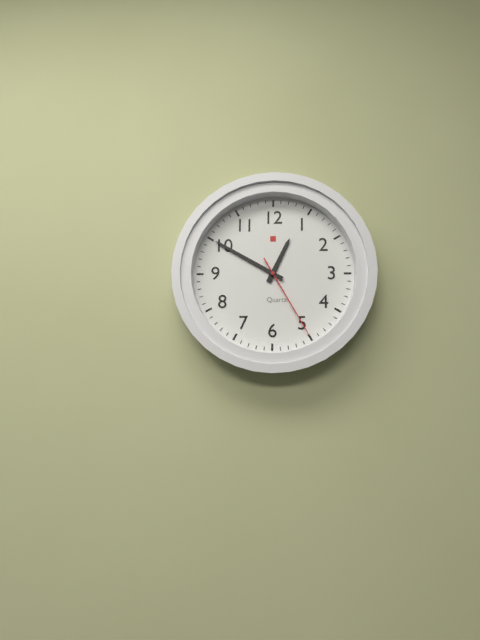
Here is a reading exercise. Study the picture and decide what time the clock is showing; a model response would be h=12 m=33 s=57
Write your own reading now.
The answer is h=12 m=50 s=25
